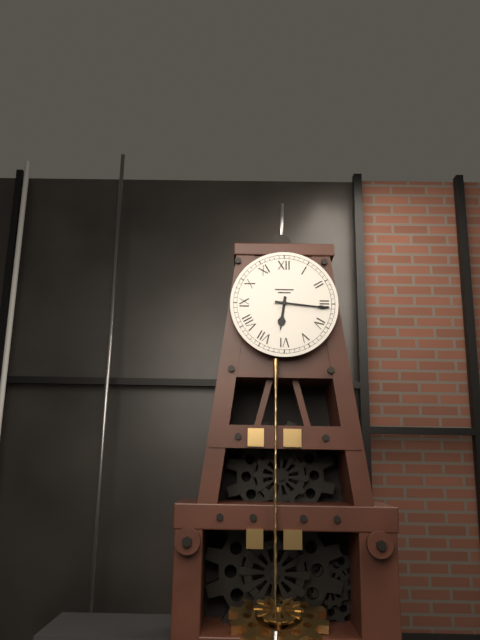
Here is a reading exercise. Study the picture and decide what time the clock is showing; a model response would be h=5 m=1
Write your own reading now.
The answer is h=6 m=16
